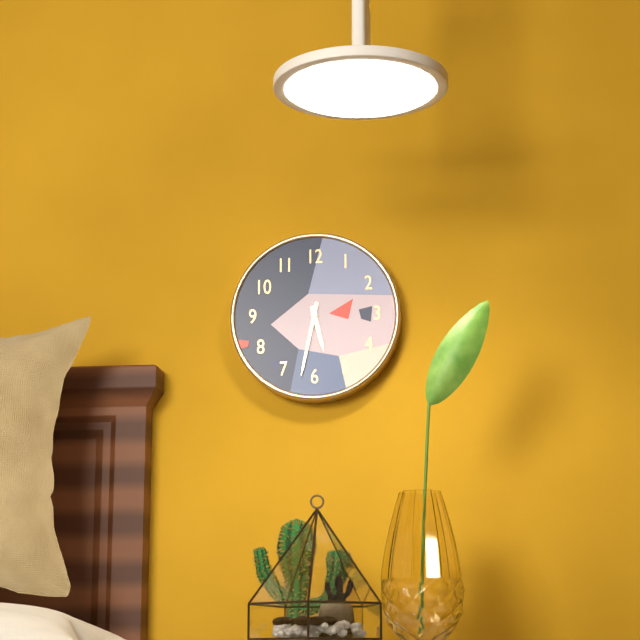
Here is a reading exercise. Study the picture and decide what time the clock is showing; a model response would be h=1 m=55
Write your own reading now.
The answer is h=5 m=32
